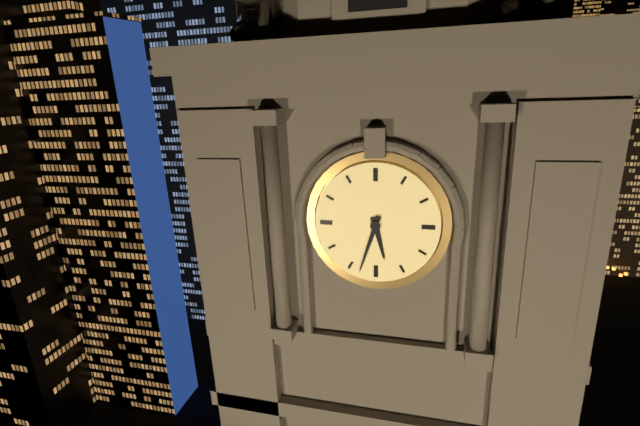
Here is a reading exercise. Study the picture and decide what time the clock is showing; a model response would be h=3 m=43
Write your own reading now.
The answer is h=5 m=33
